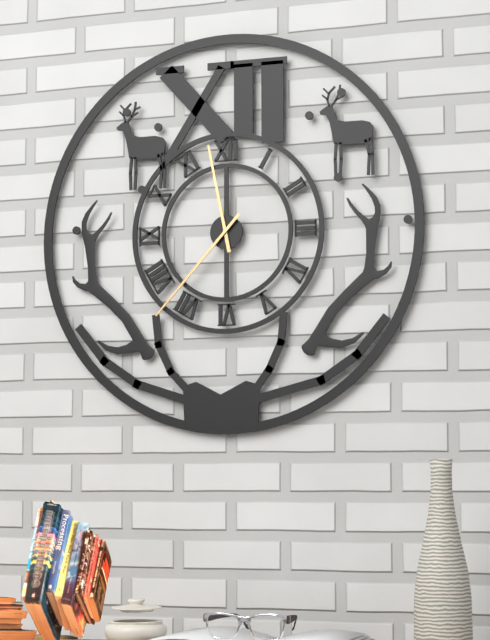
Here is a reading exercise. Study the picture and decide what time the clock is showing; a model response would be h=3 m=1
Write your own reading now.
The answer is h=11 m=37
